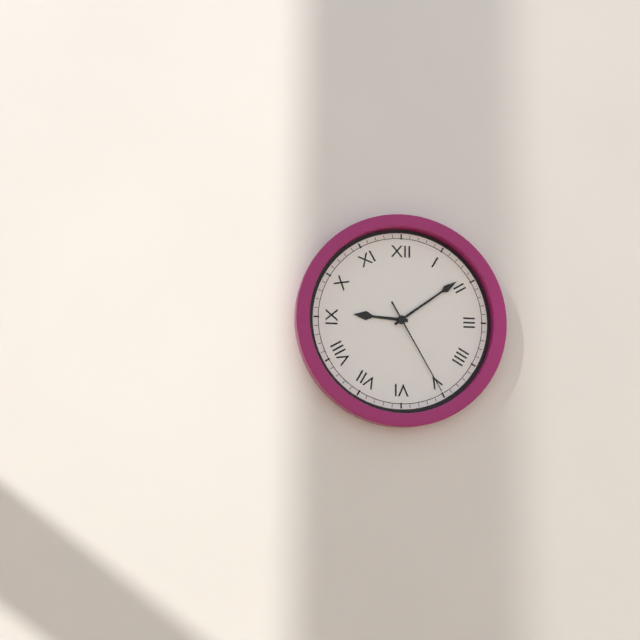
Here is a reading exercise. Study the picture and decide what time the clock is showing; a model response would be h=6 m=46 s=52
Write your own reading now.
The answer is h=9 m=9 s=25
